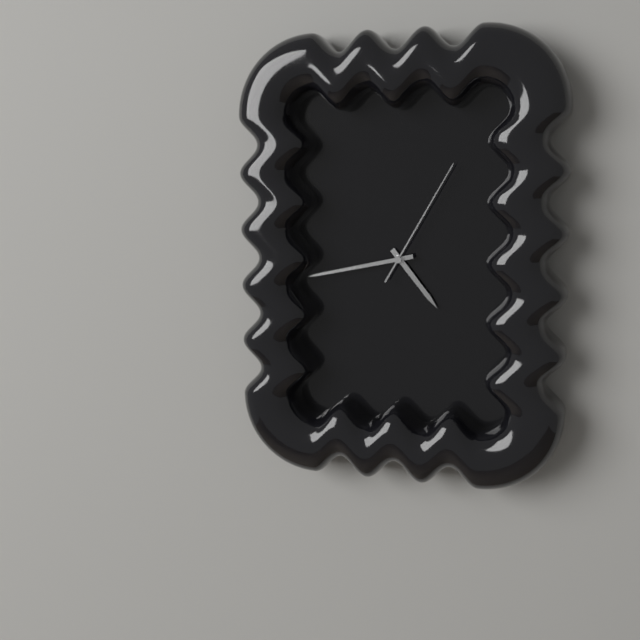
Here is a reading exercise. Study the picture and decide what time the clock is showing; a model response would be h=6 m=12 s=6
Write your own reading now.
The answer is h=4 m=43 s=5
